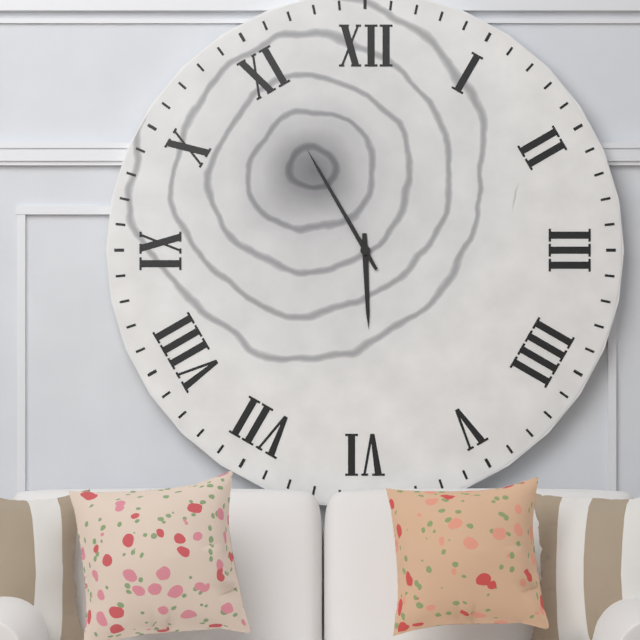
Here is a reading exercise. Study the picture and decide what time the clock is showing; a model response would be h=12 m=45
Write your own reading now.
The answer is h=5 m=55
